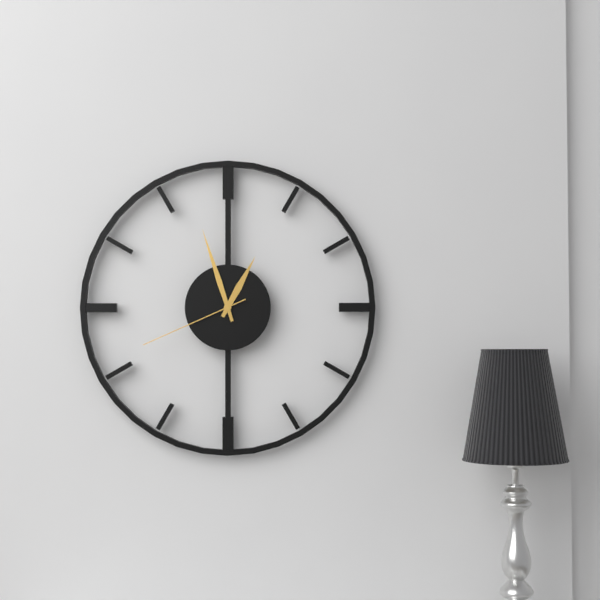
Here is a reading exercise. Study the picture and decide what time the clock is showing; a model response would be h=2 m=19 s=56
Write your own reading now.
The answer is h=12 m=57 s=41
